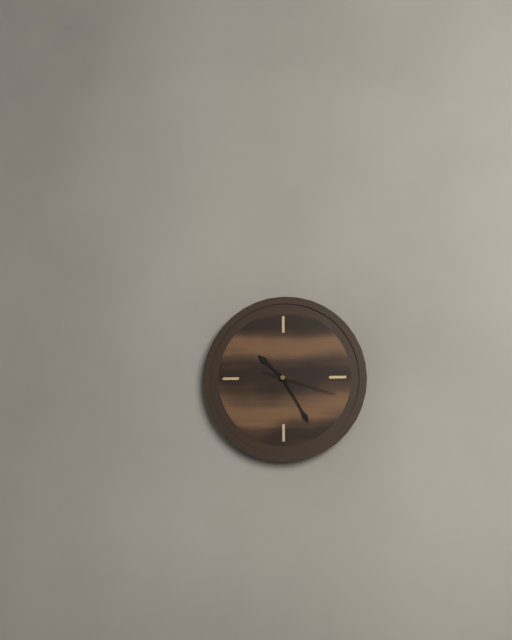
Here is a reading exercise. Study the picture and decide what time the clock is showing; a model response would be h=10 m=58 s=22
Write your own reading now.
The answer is h=10 m=25 s=18
